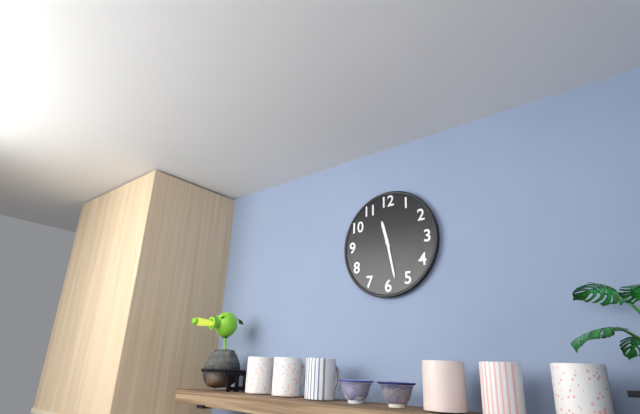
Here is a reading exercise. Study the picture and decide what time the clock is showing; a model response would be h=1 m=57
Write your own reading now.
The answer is h=11 m=28
